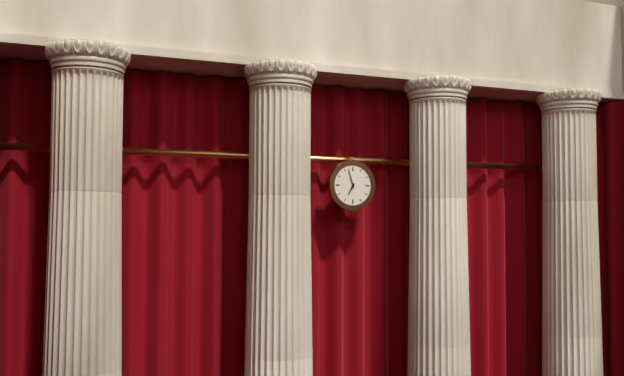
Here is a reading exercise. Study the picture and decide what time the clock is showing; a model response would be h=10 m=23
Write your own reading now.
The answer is h=6 m=57
